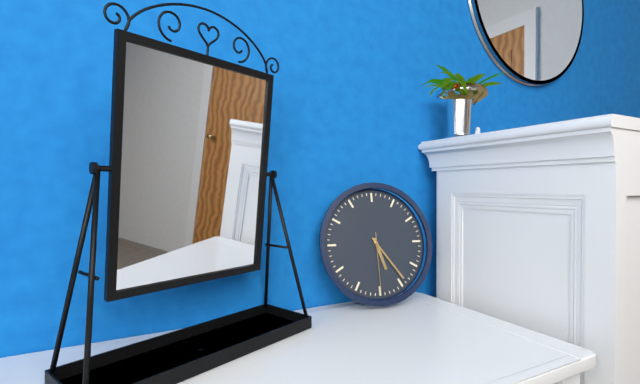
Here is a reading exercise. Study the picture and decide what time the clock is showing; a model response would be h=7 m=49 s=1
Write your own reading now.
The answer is h=5 m=24 s=30
